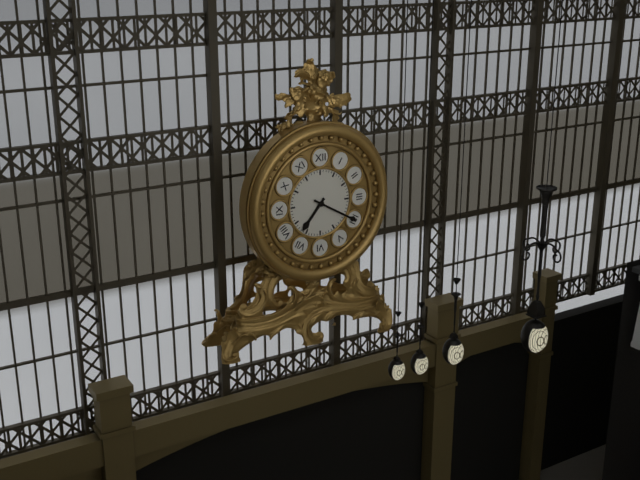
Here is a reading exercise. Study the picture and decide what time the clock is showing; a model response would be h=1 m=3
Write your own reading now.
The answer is h=7 m=20
